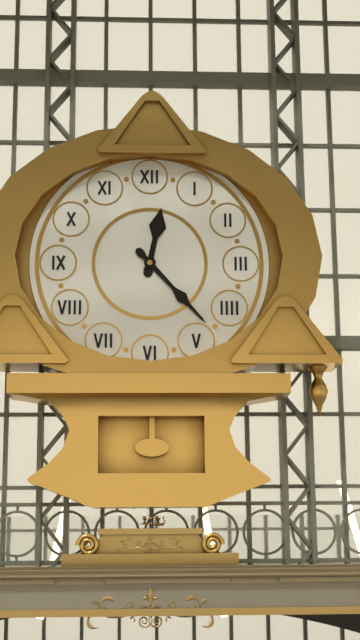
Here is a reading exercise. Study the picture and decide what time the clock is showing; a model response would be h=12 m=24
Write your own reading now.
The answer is h=12 m=23
